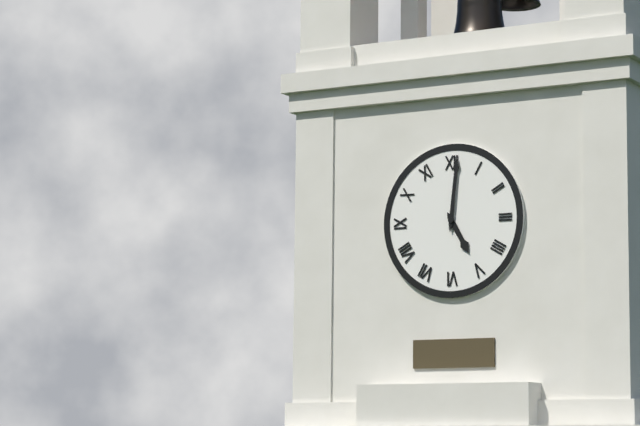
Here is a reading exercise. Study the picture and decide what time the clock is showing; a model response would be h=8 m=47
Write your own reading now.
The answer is h=5 m=1
